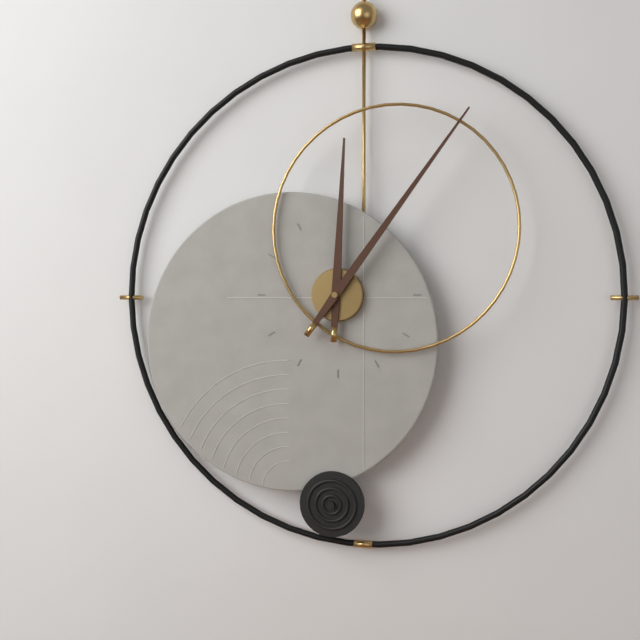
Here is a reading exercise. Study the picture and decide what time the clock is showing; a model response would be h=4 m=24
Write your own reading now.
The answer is h=12 m=6
